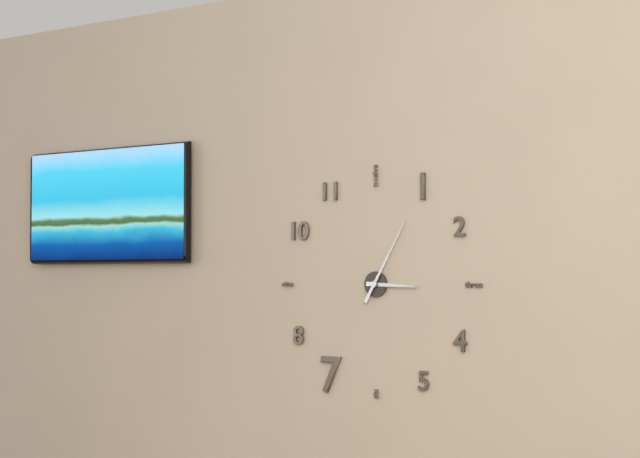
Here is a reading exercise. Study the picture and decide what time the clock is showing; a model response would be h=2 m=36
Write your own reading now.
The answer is h=3 m=5
